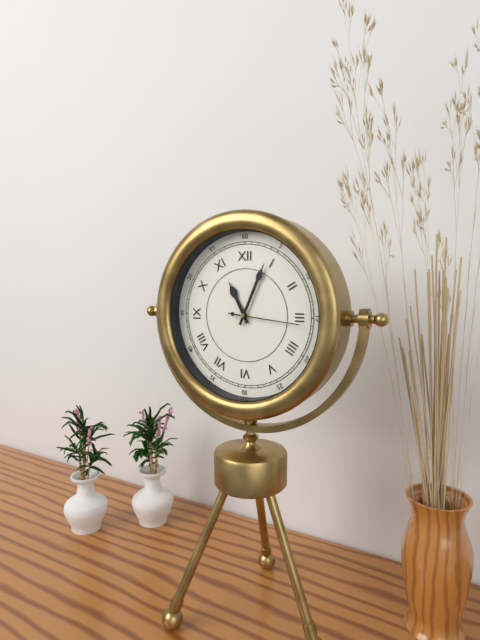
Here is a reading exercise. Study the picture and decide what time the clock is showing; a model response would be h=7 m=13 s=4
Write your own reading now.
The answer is h=11 m=4 s=16
